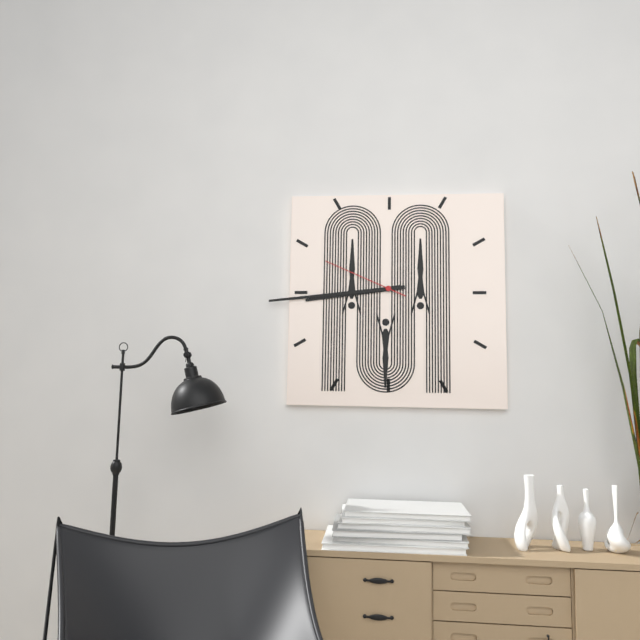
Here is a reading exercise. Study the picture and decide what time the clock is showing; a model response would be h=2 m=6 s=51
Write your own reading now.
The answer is h=8 m=44 s=49
